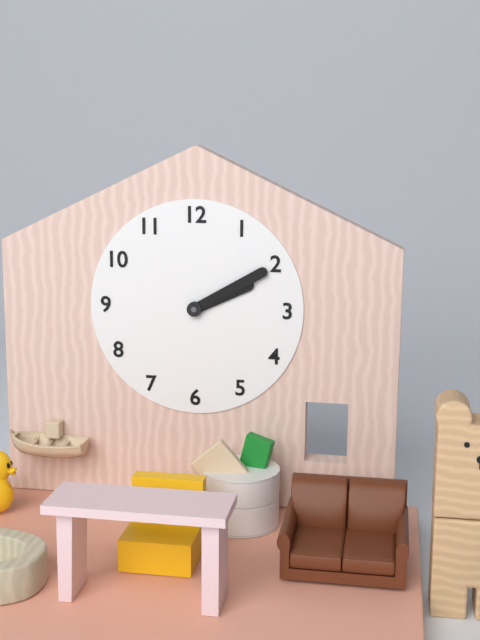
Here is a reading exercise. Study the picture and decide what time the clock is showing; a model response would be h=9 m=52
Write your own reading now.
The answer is h=2 m=10
